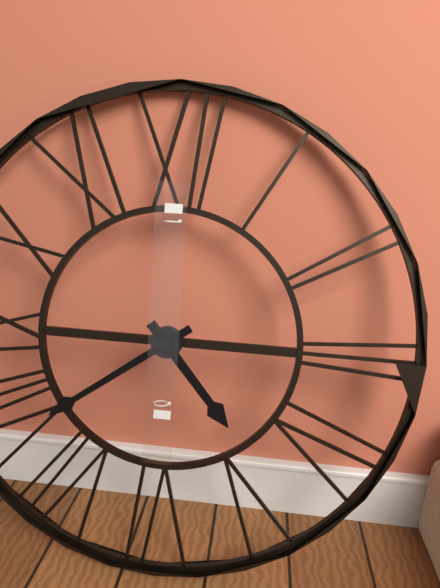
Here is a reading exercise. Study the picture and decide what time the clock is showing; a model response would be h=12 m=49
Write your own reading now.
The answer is h=4 m=39
